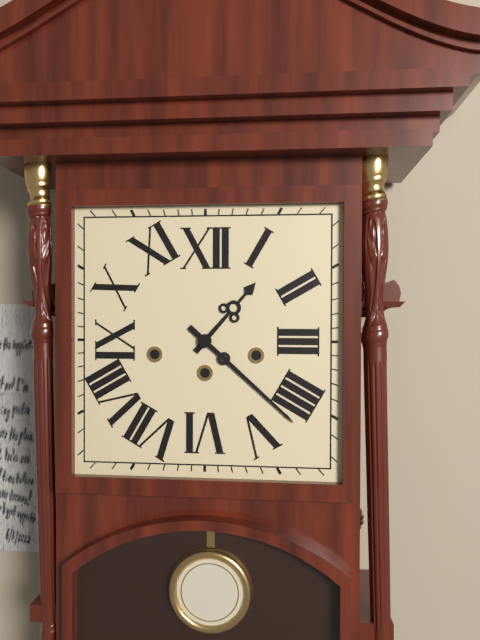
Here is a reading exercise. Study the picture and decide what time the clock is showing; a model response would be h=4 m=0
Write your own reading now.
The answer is h=1 m=22
